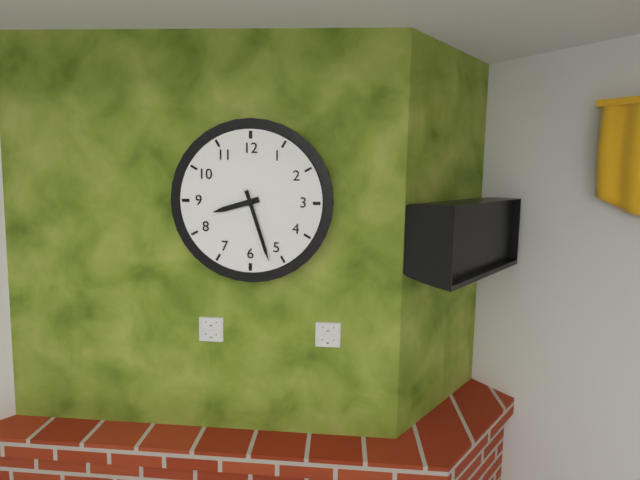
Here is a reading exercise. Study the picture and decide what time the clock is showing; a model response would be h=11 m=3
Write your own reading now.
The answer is h=8 m=27
